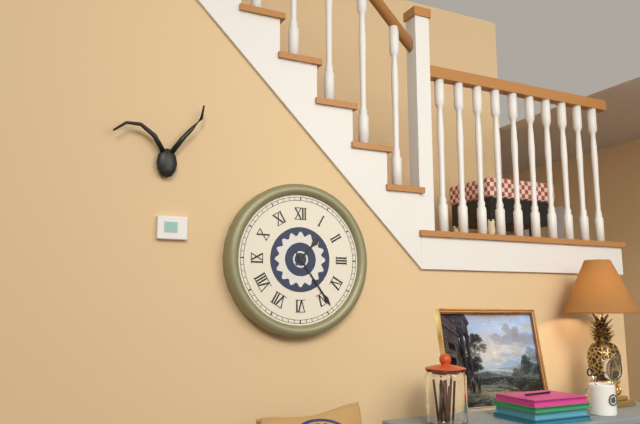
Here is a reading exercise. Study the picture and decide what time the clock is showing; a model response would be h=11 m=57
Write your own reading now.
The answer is h=1 m=24
